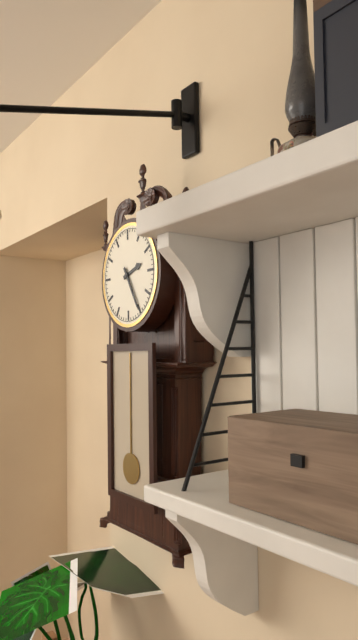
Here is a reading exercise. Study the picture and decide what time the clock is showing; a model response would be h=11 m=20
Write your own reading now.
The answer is h=2 m=25
